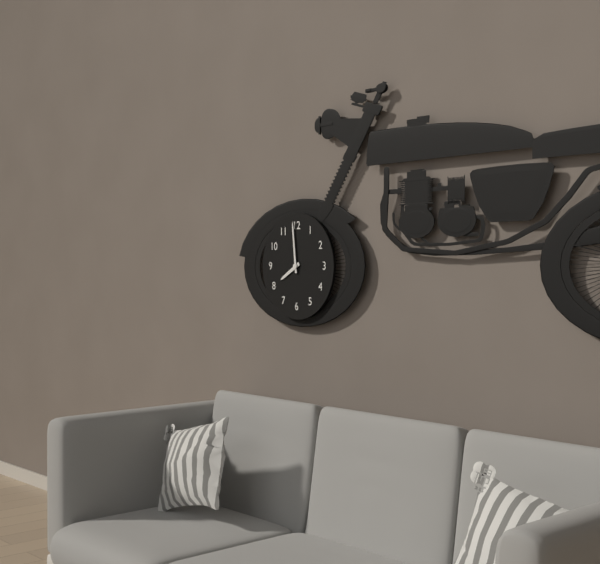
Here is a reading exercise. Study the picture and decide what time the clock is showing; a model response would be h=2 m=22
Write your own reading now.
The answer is h=7 m=59
